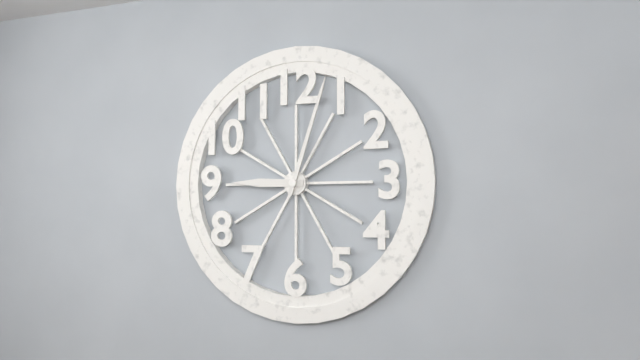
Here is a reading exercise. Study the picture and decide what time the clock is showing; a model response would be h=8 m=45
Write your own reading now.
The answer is h=9 m=3
